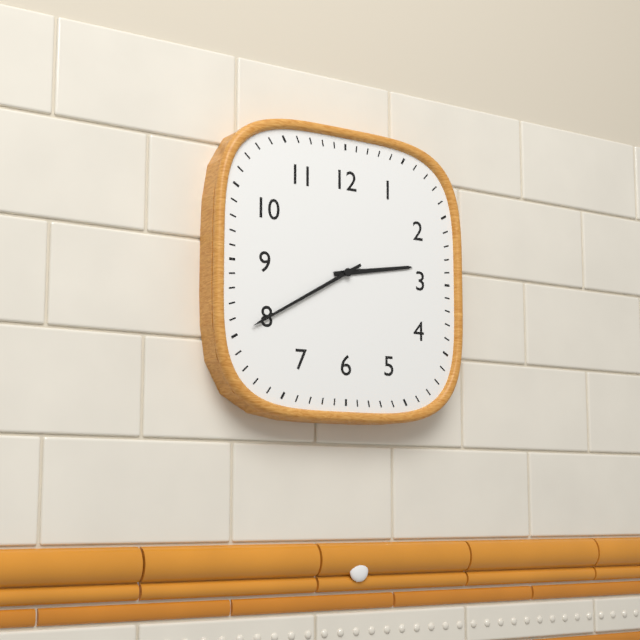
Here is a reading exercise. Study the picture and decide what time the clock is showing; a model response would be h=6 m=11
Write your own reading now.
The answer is h=2 m=40
